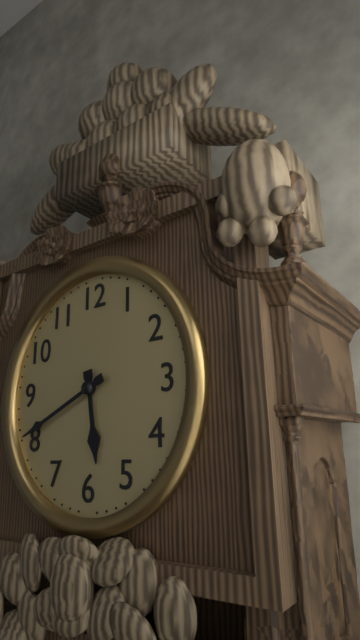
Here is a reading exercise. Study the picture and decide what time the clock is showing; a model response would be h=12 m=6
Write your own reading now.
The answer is h=5 m=41
